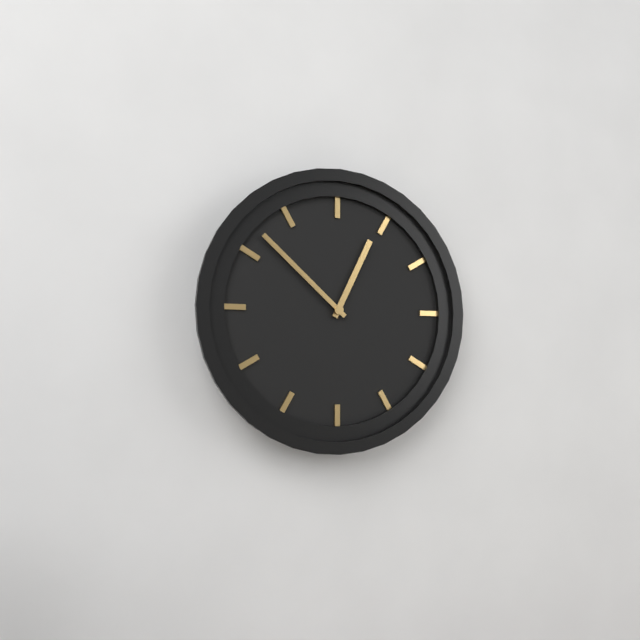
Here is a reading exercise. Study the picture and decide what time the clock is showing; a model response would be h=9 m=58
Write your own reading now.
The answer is h=12 m=52
